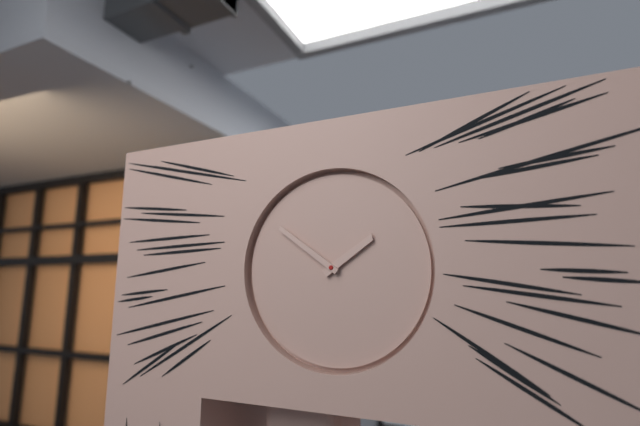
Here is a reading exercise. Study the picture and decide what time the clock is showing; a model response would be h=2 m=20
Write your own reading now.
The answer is h=1 m=51
